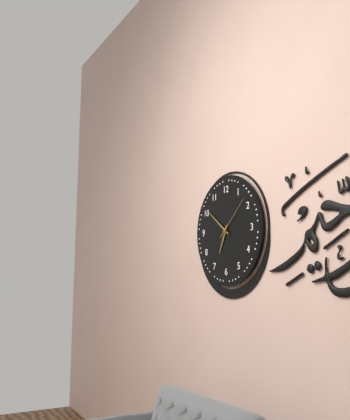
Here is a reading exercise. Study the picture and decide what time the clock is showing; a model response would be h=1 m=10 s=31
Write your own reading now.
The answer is h=6 m=51 s=8
